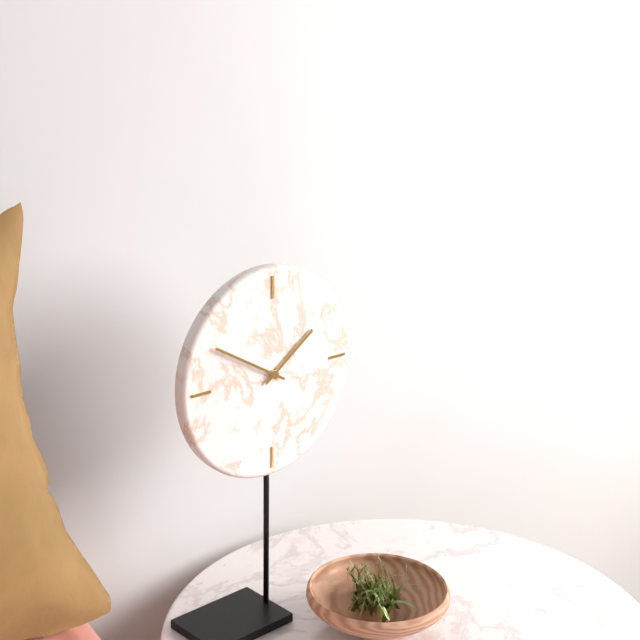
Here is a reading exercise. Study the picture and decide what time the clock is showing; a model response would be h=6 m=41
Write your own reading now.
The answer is h=1 m=50
